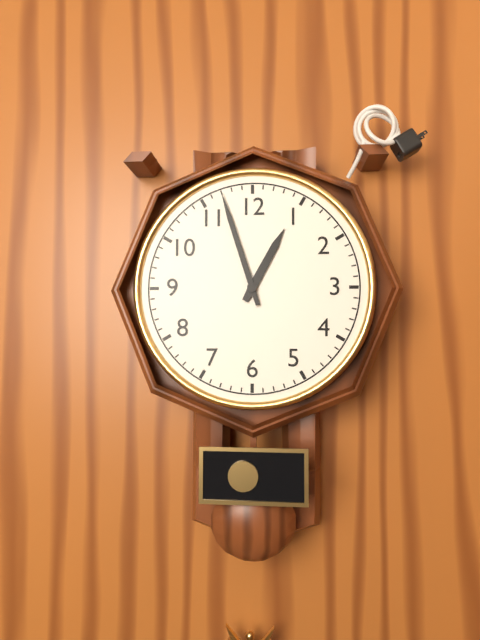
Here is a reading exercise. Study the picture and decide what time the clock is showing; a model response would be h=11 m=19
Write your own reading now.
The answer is h=12 m=57
